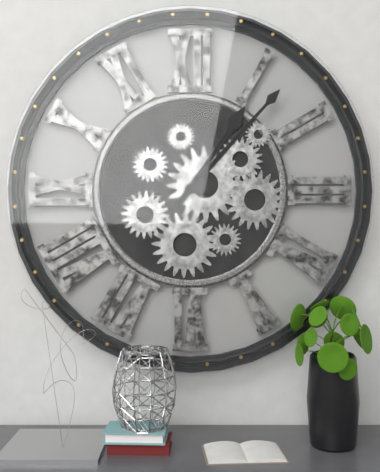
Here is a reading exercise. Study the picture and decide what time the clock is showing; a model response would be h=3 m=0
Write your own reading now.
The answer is h=1 m=7
